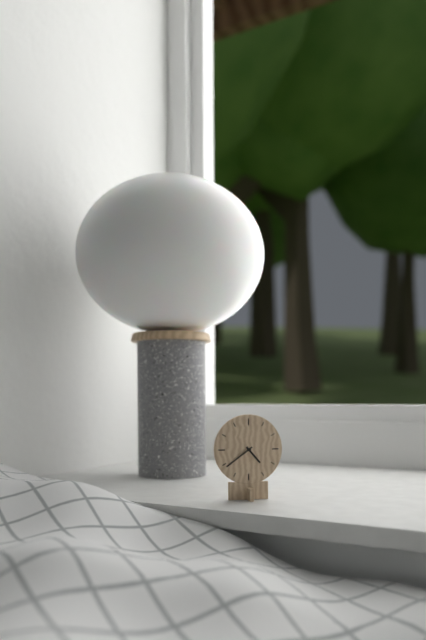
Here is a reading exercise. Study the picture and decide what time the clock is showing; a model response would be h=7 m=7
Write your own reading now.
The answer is h=4 m=39
